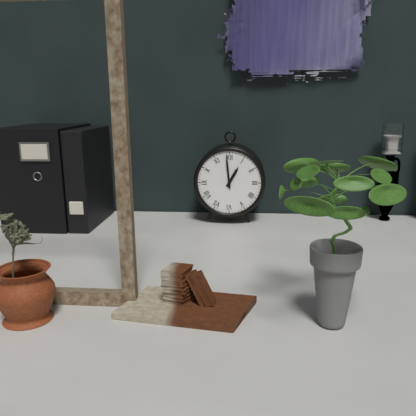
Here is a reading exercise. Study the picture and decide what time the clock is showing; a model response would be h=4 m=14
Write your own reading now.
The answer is h=12 m=59
